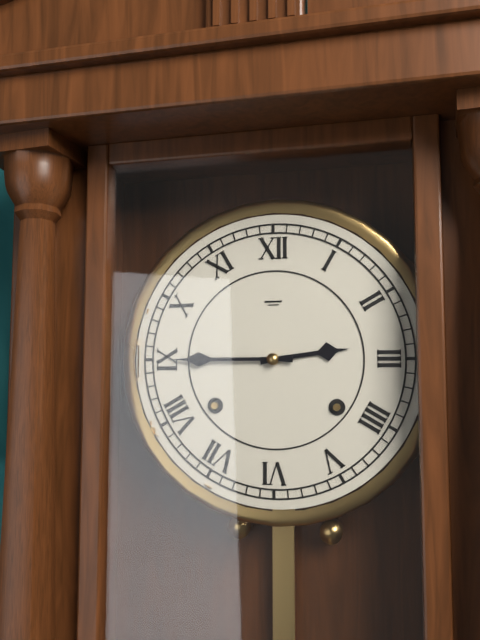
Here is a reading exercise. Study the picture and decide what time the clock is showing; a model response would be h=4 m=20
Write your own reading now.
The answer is h=2 m=45
